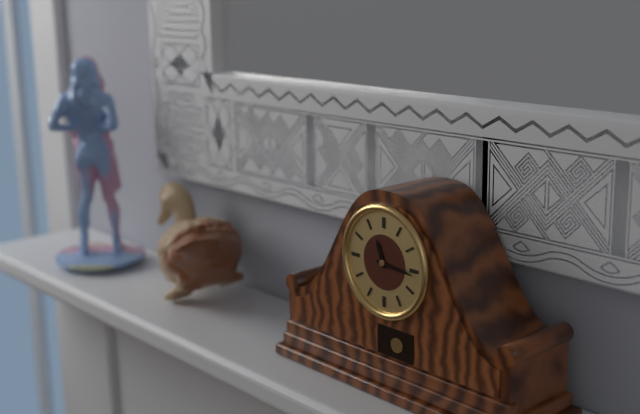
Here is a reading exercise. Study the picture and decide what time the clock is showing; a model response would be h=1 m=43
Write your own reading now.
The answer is h=11 m=16
